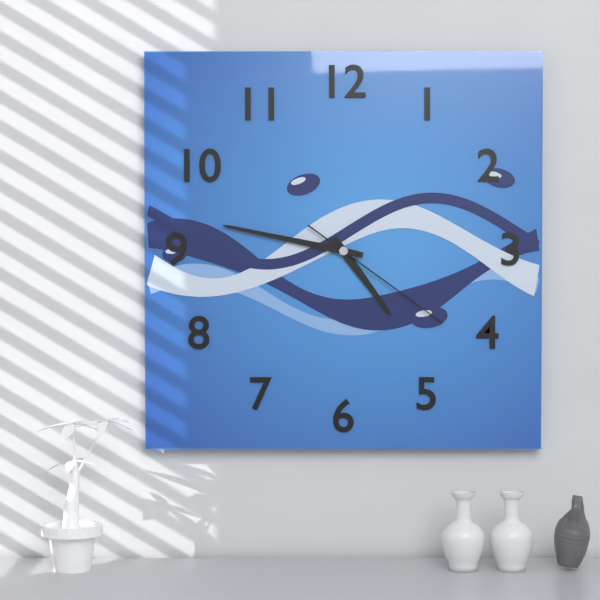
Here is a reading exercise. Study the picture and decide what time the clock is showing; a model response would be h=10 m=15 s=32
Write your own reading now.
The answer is h=4 m=47 s=21
